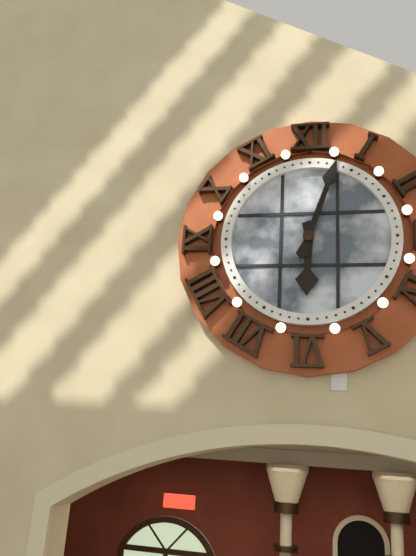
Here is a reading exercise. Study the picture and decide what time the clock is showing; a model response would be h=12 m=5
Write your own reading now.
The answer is h=6 m=3
